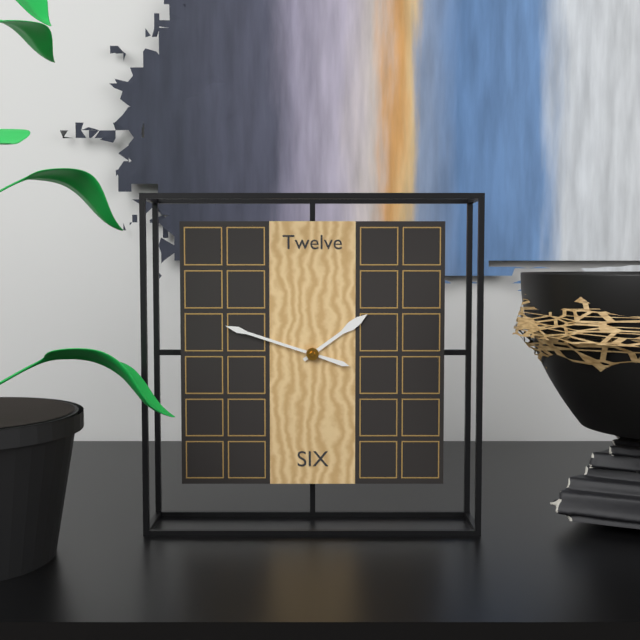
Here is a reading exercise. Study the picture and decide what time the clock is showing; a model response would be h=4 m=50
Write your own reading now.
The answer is h=1 m=48
